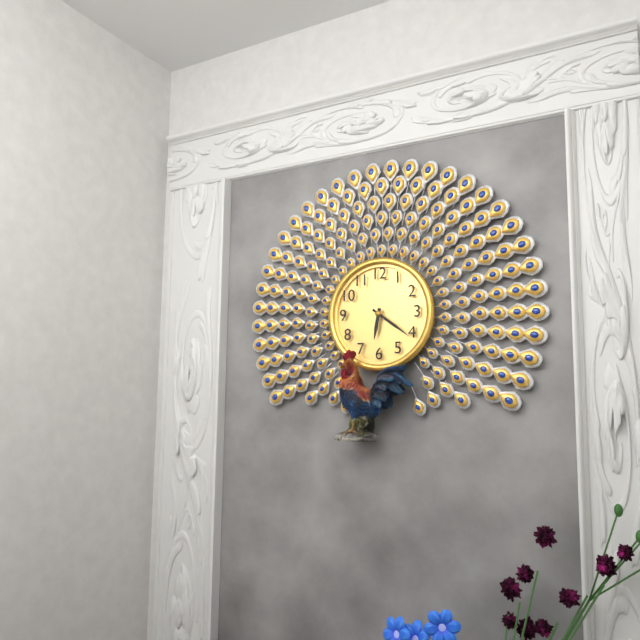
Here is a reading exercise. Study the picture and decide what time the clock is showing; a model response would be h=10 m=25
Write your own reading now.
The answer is h=6 m=21
